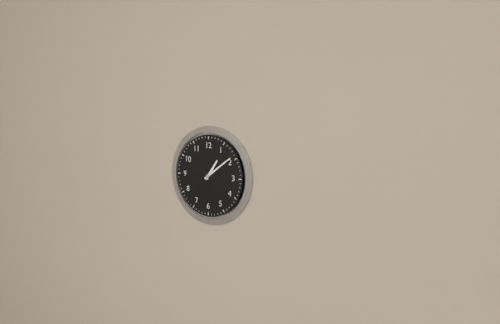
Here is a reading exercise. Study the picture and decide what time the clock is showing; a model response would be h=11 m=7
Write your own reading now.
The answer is h=1 m=9
